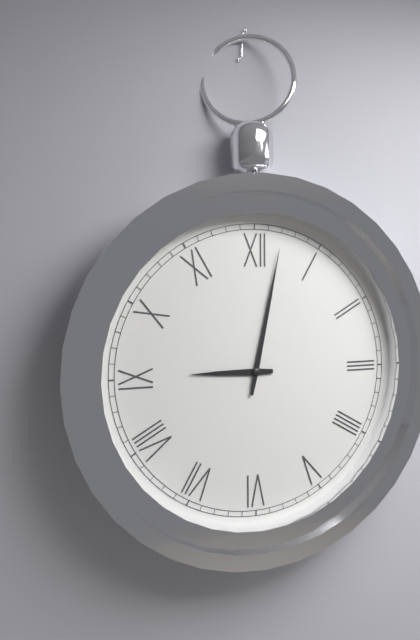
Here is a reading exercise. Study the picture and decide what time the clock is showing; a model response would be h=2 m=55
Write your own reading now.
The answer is h=9 m=2
